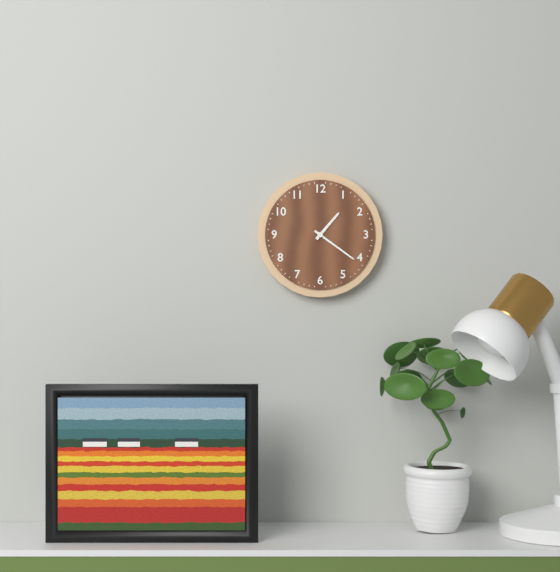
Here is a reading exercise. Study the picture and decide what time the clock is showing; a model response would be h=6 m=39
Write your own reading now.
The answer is h=1 m=21
